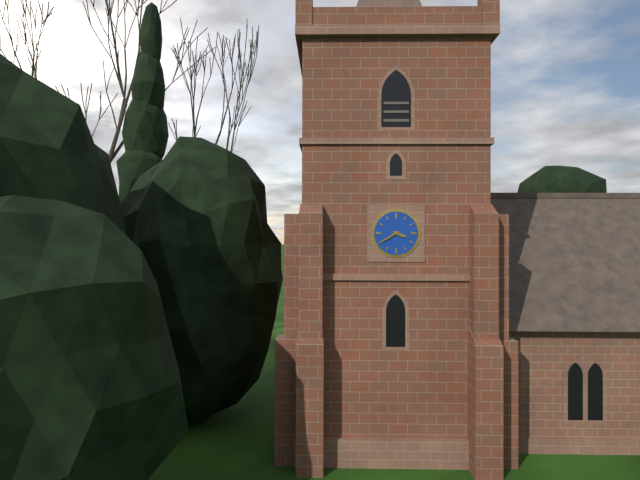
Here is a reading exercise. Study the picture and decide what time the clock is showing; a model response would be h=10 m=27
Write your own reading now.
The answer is h=3 m=40
